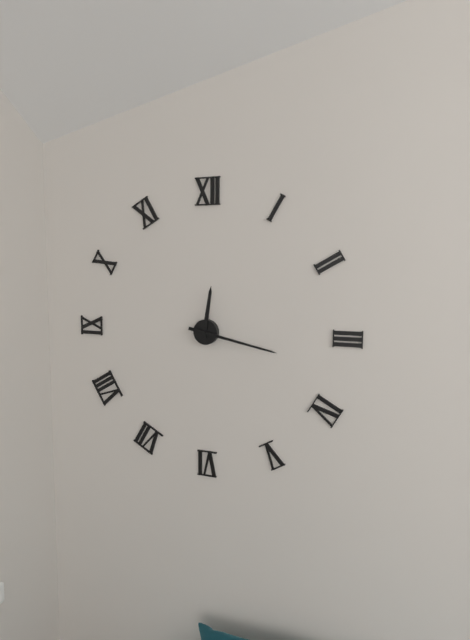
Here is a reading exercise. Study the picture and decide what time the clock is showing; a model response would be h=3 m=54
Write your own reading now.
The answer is h=12 m=17
